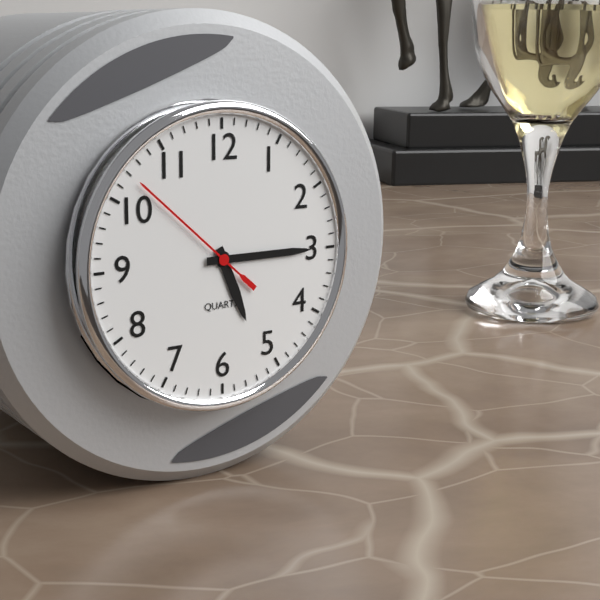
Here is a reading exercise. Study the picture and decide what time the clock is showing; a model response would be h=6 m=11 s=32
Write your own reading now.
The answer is h=5 m=15 s=52
